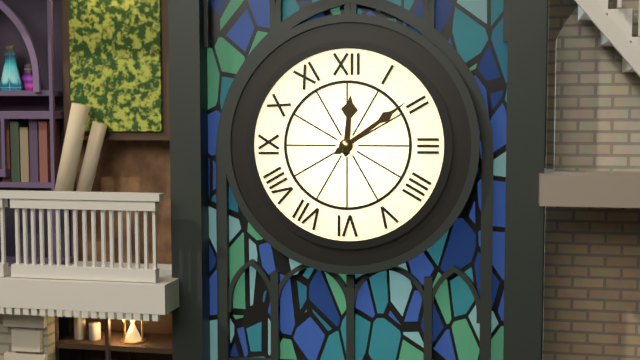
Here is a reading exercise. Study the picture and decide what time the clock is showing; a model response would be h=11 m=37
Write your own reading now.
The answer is h=12 m=9
